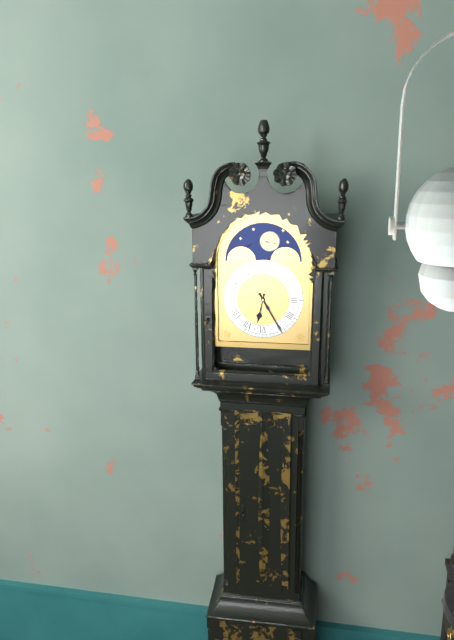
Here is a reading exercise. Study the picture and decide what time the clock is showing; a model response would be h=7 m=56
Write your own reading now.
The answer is h=6 m=25
